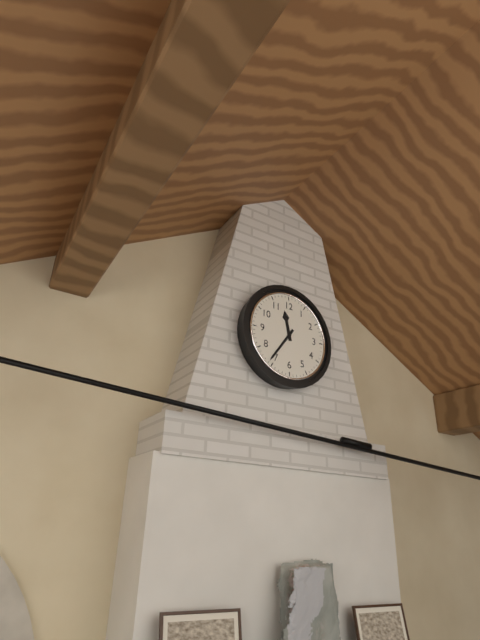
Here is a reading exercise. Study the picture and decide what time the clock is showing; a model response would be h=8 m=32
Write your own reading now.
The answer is h=11 m=36
